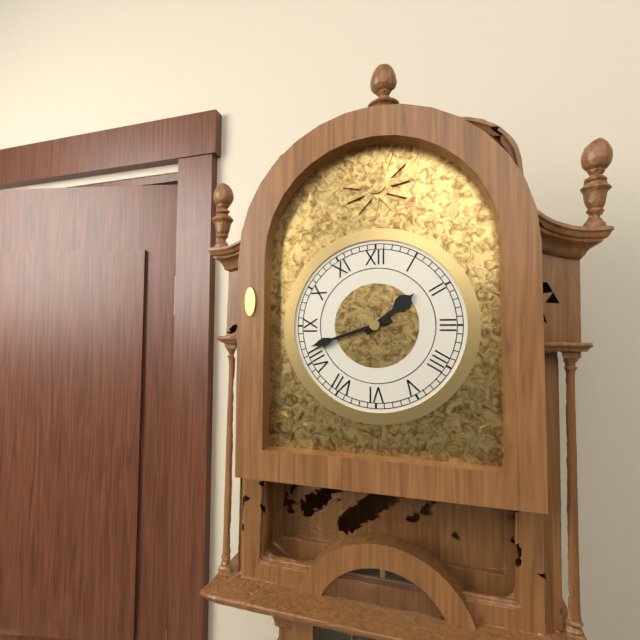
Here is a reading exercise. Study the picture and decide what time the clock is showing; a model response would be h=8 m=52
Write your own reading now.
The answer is h=1 m=42
